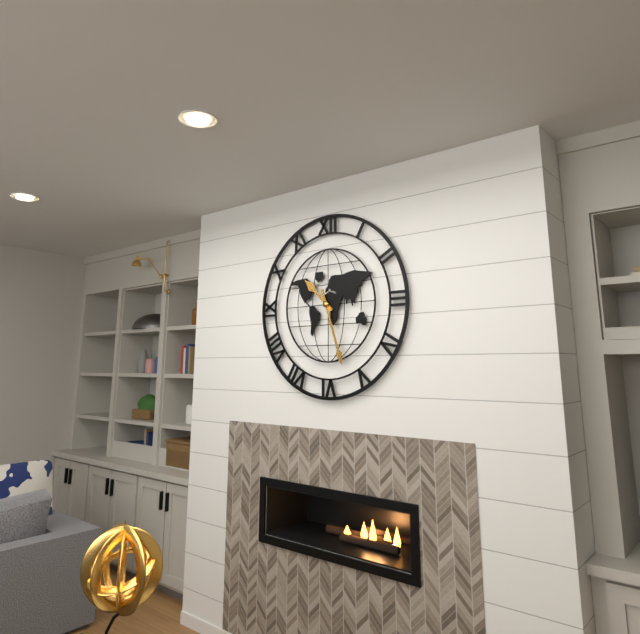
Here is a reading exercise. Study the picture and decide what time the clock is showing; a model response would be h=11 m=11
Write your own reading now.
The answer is h=10 m=27
